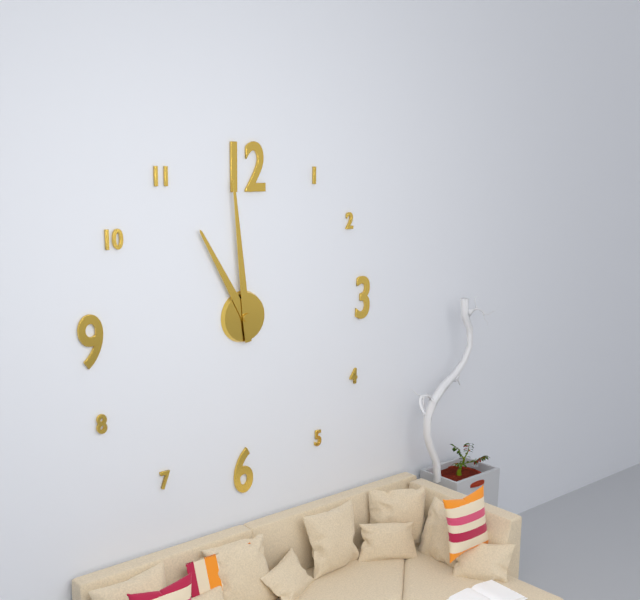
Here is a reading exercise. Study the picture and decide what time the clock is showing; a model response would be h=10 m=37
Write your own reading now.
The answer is h=10 m=59
